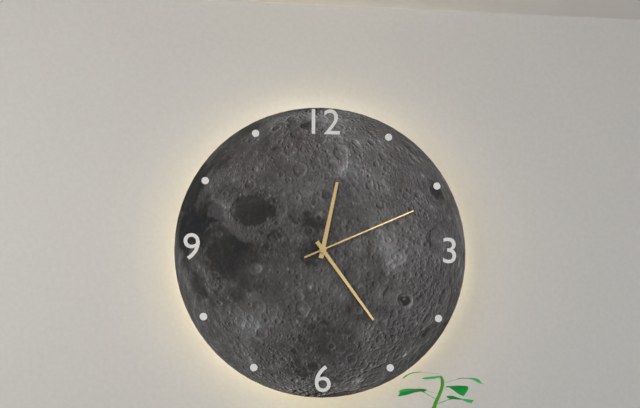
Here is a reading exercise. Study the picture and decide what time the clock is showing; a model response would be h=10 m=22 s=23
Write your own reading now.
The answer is h=12 m=24 s=11
